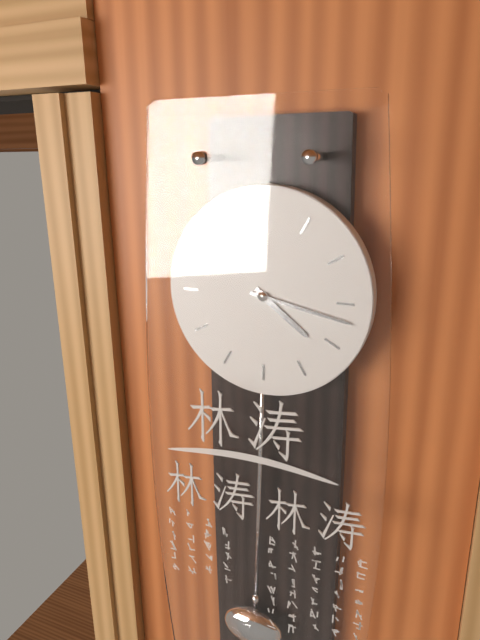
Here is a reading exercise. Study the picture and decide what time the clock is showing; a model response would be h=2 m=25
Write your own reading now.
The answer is h=4 m=17
